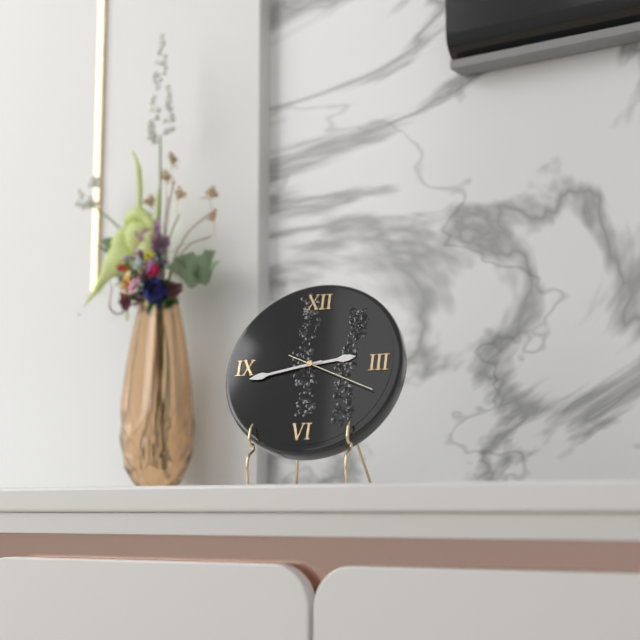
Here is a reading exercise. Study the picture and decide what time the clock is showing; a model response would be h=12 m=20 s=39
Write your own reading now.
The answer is h=2 m=43 s=19
